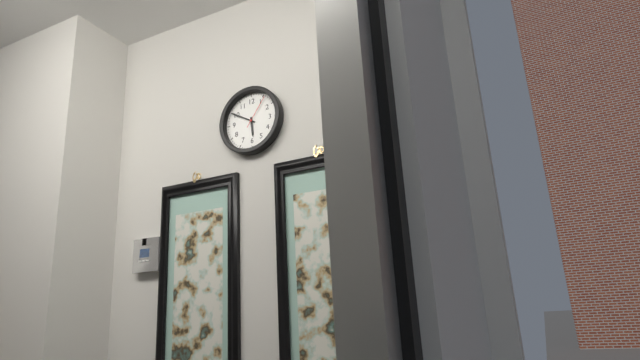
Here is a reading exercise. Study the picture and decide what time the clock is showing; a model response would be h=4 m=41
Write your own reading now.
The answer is h=5 m=50
